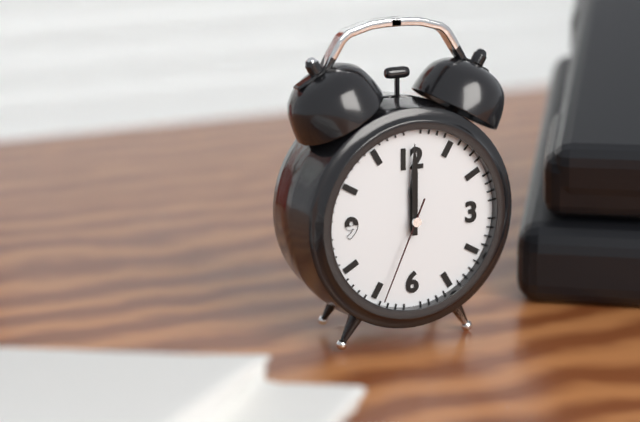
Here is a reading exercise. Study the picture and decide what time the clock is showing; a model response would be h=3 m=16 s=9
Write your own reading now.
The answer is h=12 m=0 s=34
